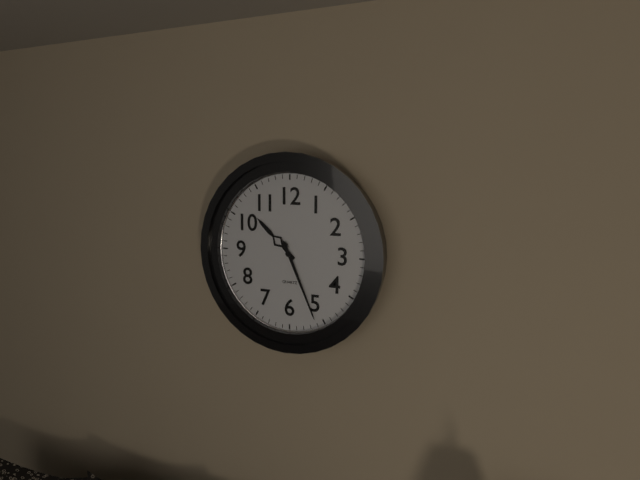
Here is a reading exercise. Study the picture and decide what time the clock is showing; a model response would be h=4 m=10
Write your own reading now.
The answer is h=10 m=26
